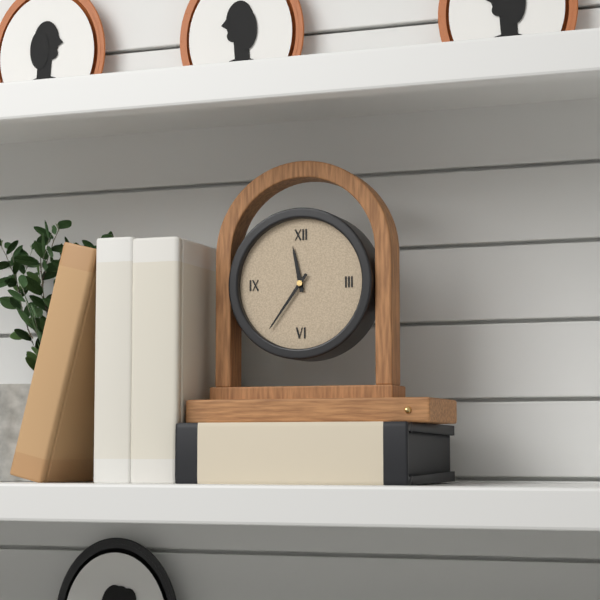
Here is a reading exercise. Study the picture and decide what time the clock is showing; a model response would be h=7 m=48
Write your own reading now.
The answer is h=11 m=36
